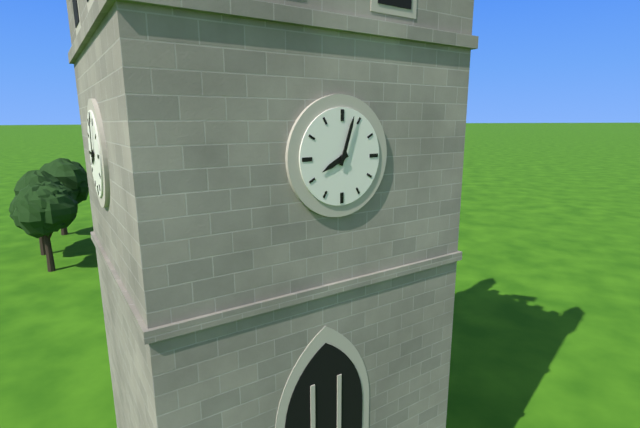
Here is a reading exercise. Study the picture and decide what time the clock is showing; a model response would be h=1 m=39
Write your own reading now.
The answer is h=8 m=3
